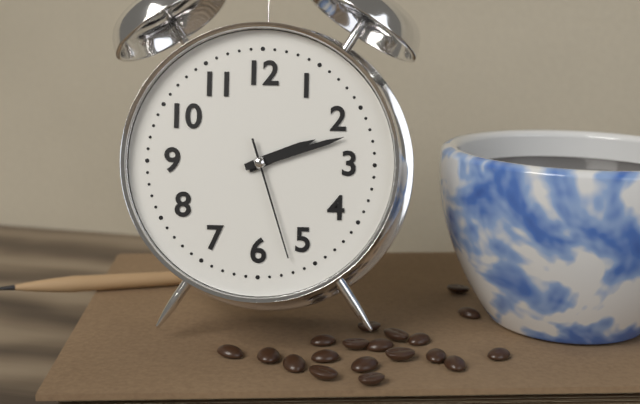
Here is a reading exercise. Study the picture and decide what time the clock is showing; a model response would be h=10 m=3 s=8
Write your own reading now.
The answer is h=2 m=12 s=27
